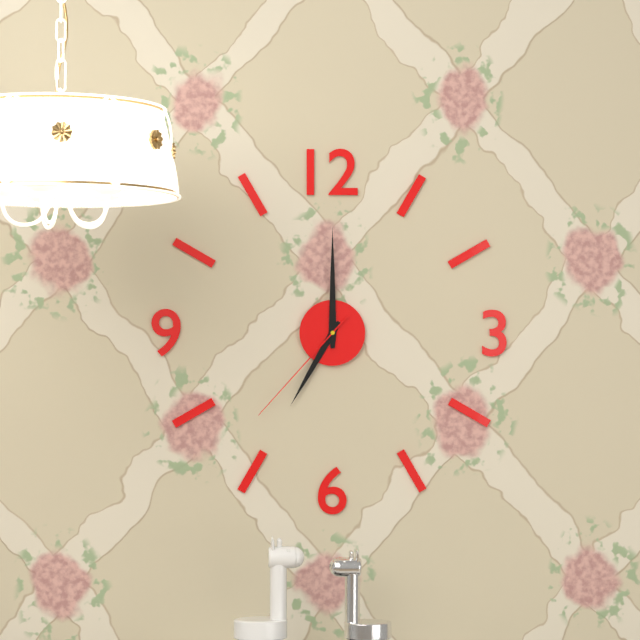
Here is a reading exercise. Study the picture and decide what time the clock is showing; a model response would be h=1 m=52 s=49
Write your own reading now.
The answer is h=7 m=0 s=37
